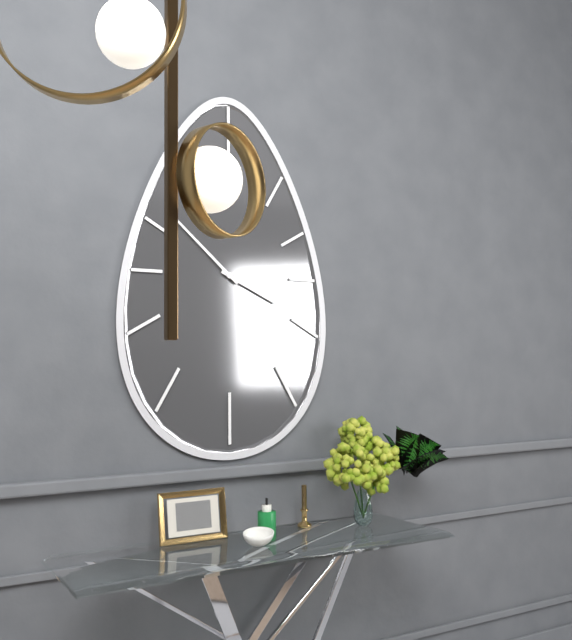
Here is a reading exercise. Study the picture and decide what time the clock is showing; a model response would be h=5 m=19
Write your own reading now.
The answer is h=3 m=52
